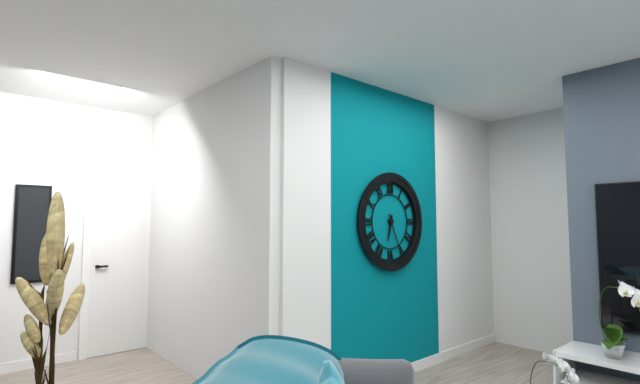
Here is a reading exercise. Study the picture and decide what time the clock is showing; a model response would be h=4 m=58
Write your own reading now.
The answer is h=6 m=26
